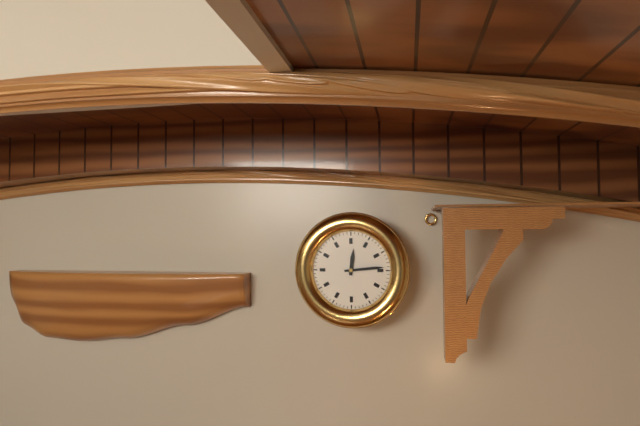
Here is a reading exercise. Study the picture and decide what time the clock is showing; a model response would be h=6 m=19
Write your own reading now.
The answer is h=12 m=14
